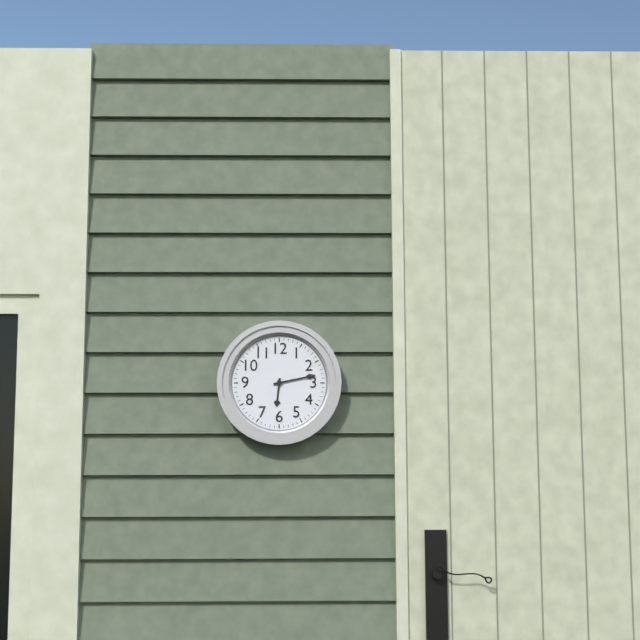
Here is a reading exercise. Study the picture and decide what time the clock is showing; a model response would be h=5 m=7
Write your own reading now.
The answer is h=6 m=13
